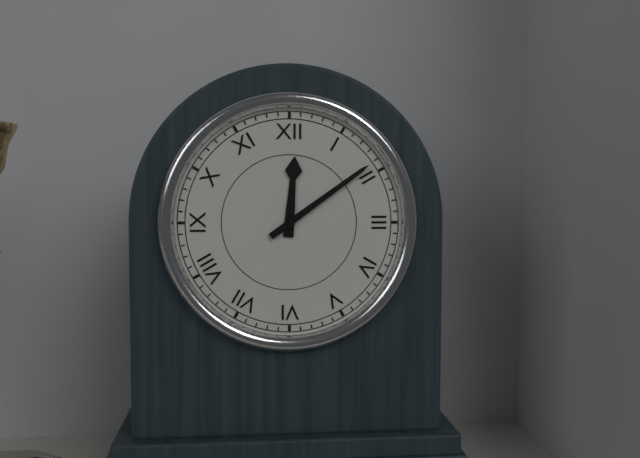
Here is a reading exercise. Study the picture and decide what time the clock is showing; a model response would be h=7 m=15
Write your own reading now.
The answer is h=12 m=9
